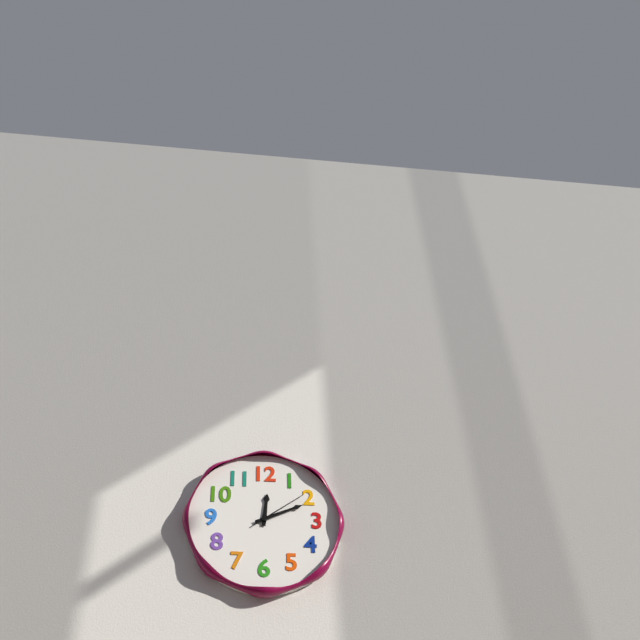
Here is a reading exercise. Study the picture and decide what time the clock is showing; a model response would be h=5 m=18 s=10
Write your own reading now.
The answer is h=12 m=11 s=9
